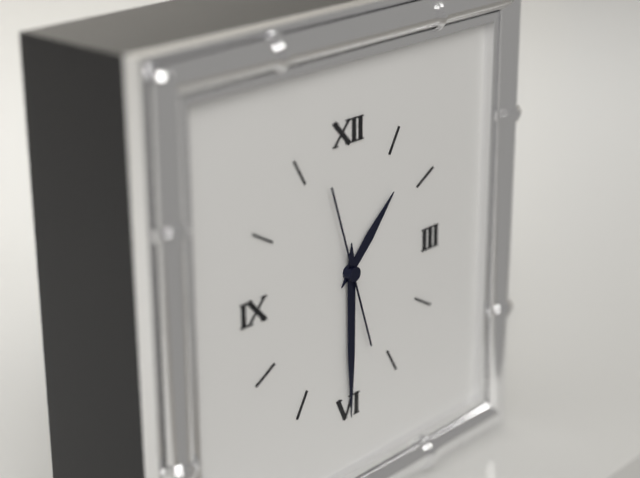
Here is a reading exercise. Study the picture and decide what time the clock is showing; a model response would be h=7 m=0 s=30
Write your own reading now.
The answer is h=1 m=30 s=57
